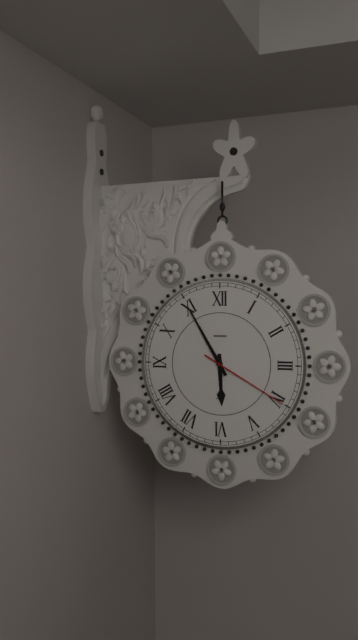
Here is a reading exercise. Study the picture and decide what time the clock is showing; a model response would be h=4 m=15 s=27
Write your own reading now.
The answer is h=5 m=55 s=20
